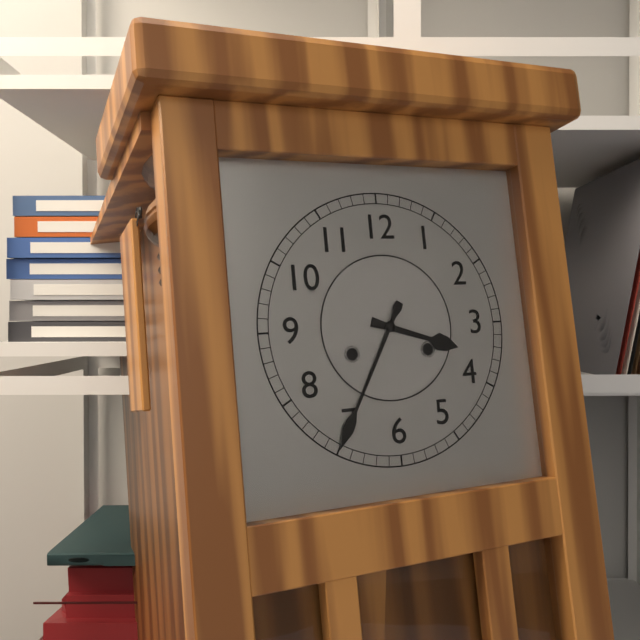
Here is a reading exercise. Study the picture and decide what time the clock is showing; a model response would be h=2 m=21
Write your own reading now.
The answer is h=3 m=35
